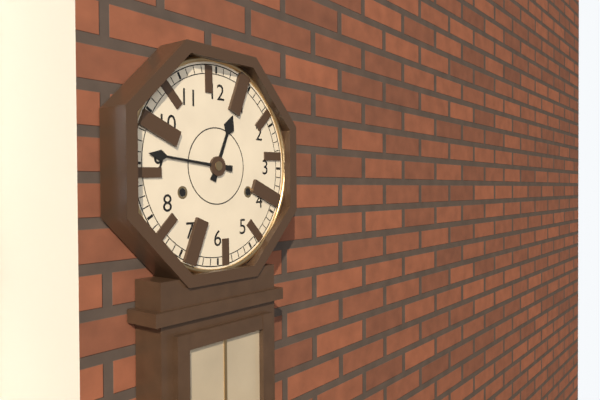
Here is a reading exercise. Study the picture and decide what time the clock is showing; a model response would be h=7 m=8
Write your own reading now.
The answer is h=12 m=46
